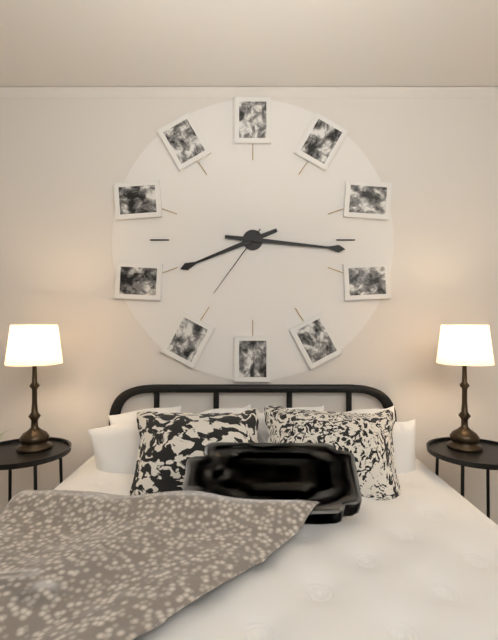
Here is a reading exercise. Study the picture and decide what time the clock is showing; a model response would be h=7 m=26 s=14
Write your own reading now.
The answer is h=8 m=16 s=36
